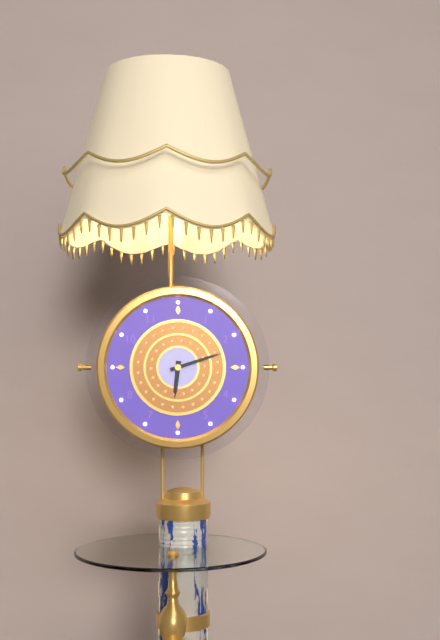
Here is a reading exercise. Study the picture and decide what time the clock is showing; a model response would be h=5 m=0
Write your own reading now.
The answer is h=6 m=12
